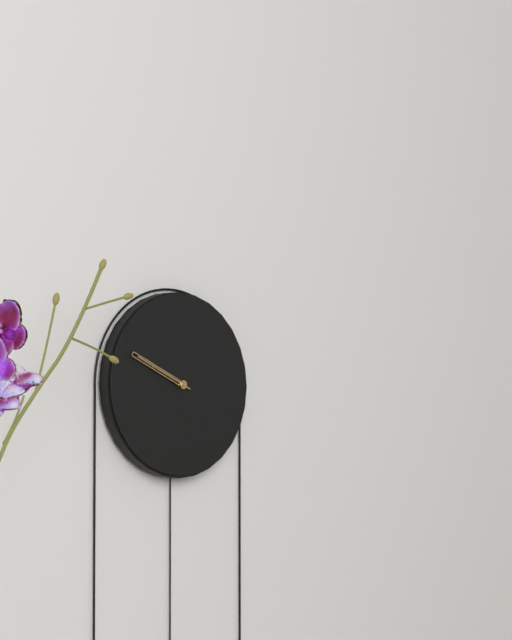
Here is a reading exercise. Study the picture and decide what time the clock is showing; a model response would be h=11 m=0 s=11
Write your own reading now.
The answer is h=9 m=49 s=49
